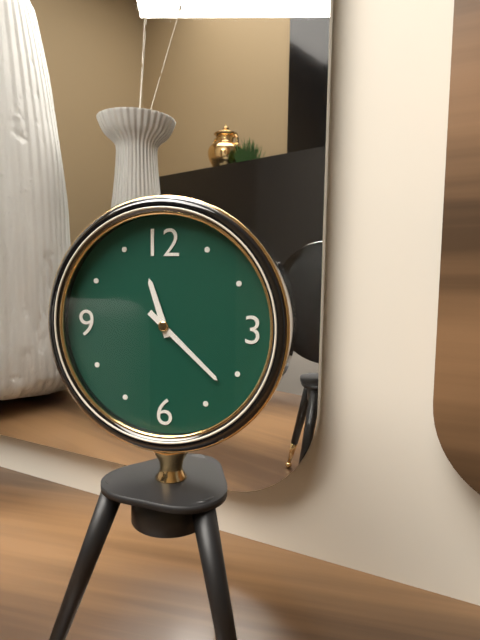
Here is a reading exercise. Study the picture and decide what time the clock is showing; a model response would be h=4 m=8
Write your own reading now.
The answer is h=11 m=22
